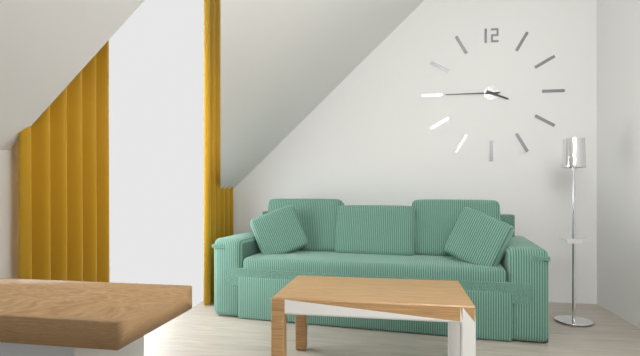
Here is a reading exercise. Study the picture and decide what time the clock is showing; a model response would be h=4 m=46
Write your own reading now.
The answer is h=3 m=45
